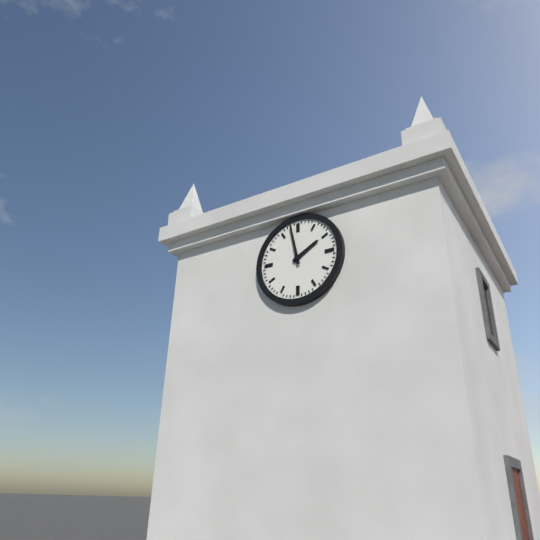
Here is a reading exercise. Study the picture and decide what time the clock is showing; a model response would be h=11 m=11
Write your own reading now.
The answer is h=1 m=58
